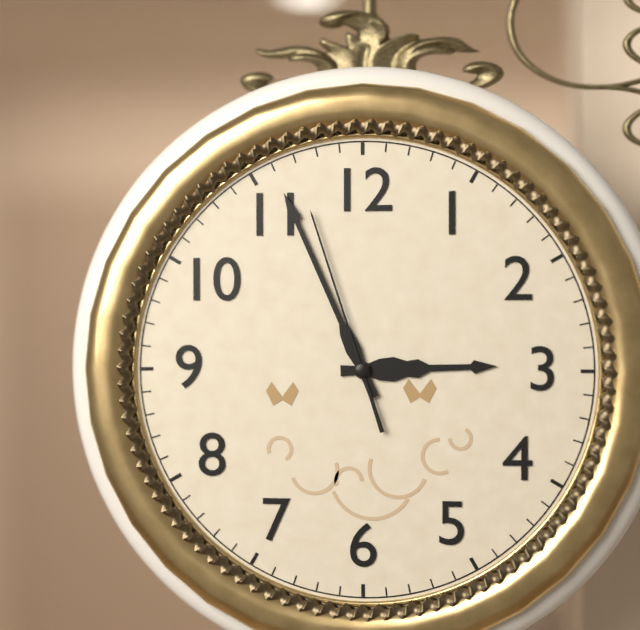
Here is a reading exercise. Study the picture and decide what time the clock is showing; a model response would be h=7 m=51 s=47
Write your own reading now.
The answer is h=2 m=56 s=57
